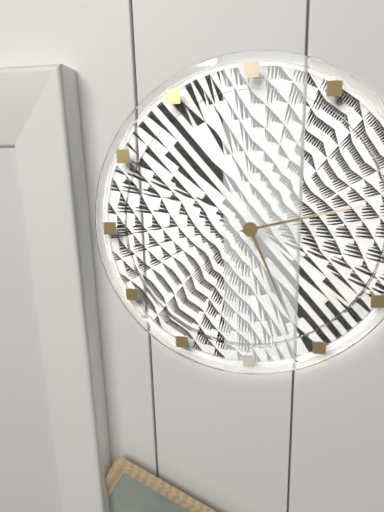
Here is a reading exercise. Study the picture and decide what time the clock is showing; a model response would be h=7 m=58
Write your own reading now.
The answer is h=5 m=13
